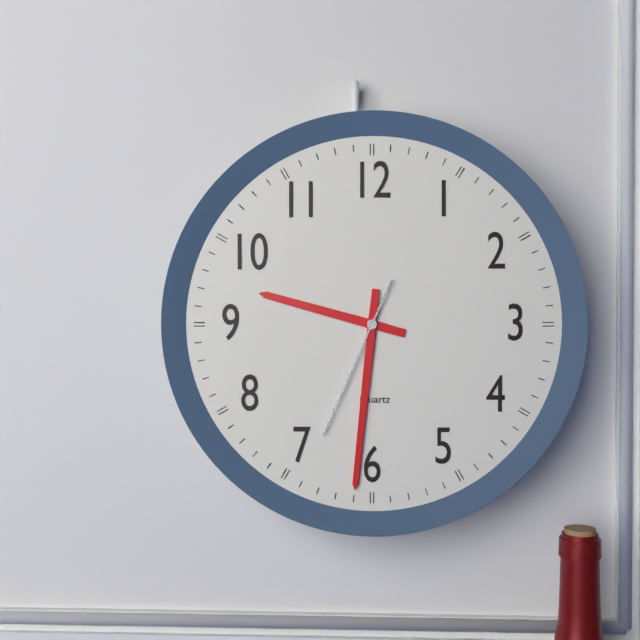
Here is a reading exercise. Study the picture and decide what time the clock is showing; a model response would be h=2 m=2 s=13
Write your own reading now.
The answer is h=9 m=31 s=34
